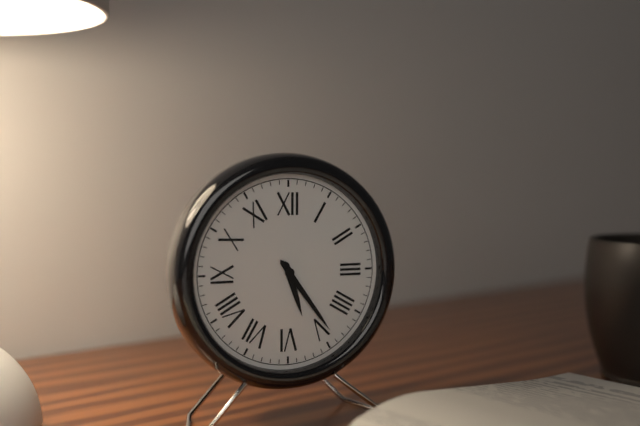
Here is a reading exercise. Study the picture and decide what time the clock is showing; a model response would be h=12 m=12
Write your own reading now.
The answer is h=5 m=24
